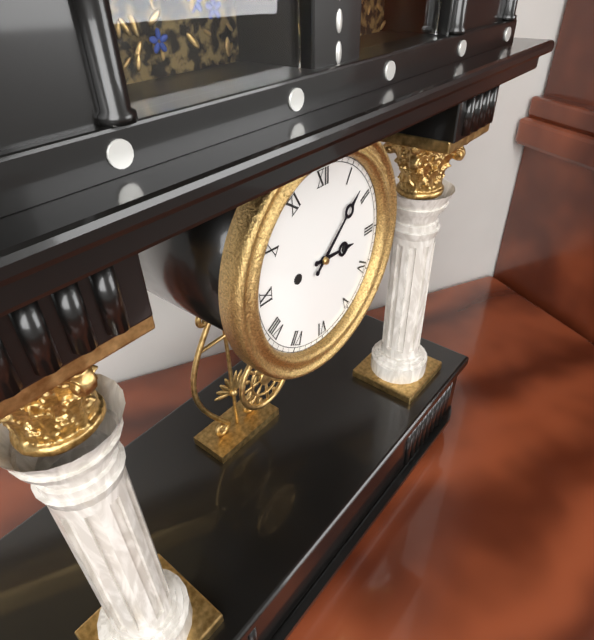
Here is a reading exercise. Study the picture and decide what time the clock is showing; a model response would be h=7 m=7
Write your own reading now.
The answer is h=3 m=8
